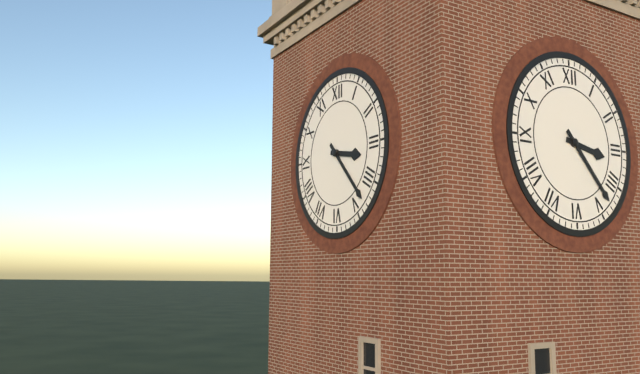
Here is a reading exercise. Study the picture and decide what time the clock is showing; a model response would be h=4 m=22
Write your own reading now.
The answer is h=3 m=23
